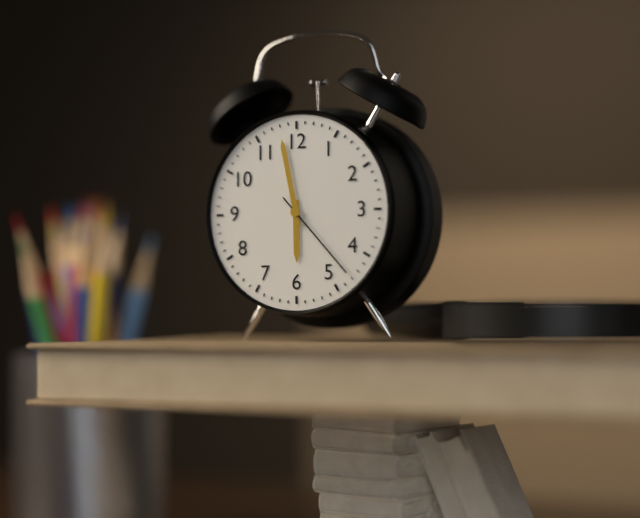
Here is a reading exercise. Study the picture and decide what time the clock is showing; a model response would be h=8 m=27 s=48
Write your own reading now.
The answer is h=5 m=58 s=23
